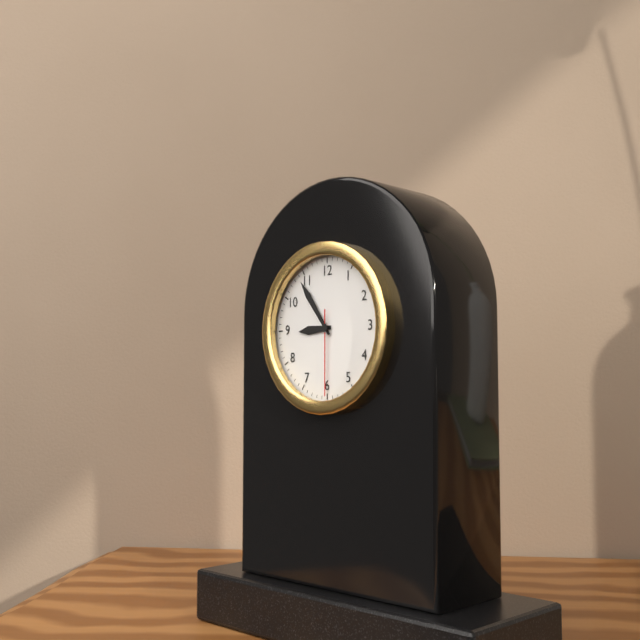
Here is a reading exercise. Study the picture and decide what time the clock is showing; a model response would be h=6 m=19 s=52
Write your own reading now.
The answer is h=8 m=54 s=30
